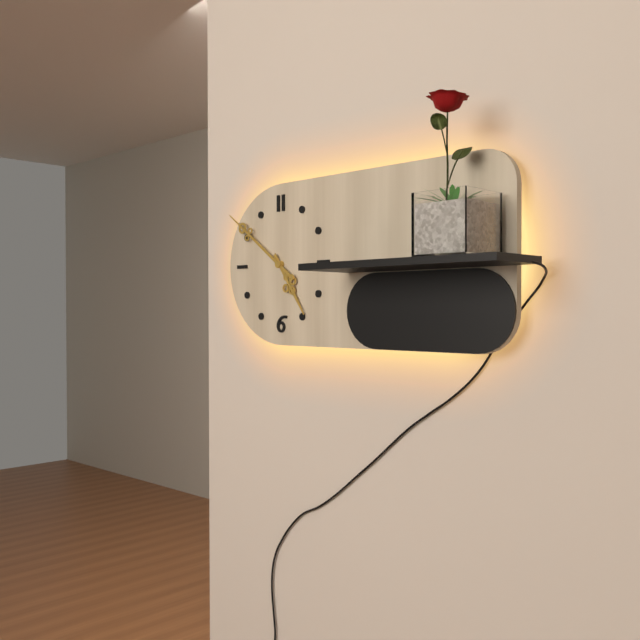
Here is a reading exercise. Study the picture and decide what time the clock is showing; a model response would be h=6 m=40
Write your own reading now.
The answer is h=4 m=51
